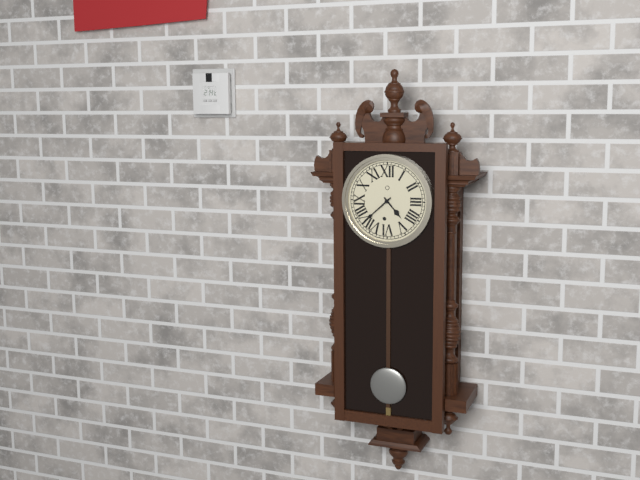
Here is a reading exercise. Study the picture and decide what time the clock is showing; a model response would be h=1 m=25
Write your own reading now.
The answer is h=4 m=38
